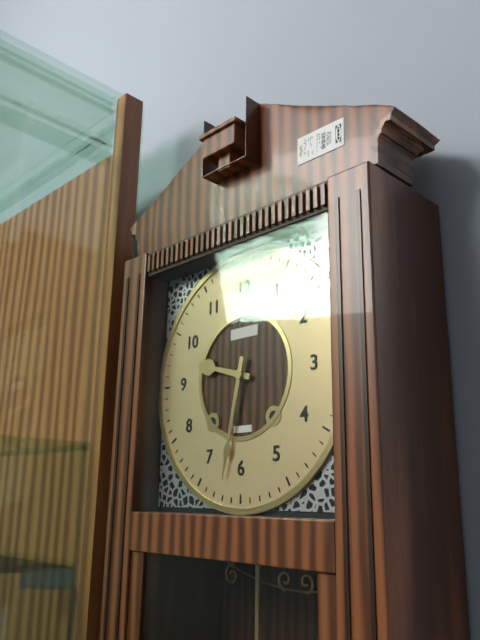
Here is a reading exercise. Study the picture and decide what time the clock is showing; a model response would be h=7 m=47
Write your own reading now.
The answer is h=9 m=32
